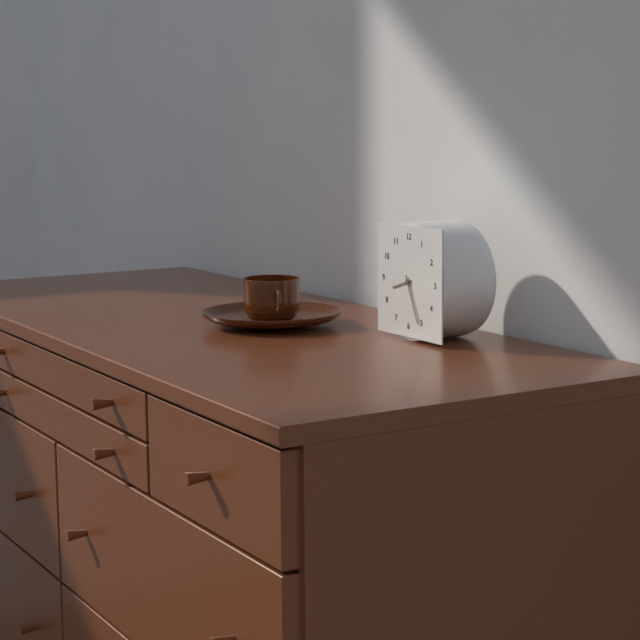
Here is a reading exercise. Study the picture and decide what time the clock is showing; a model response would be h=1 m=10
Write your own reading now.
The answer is h=8 m=26
